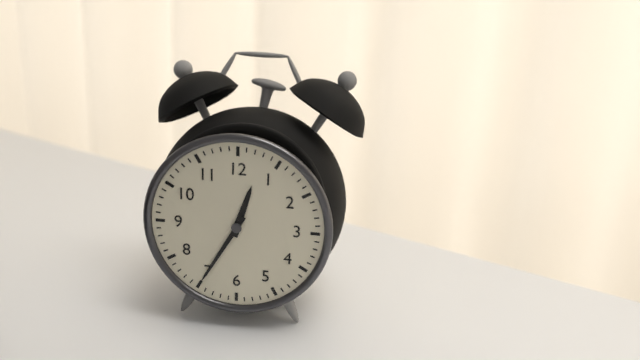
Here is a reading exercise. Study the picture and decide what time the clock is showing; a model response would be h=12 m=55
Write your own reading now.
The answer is h=12 m=35
